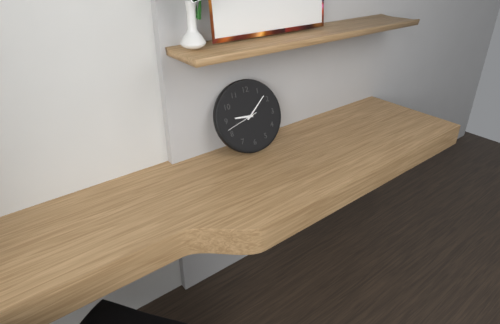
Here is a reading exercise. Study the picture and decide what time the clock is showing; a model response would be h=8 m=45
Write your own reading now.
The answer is h=9 m=8
